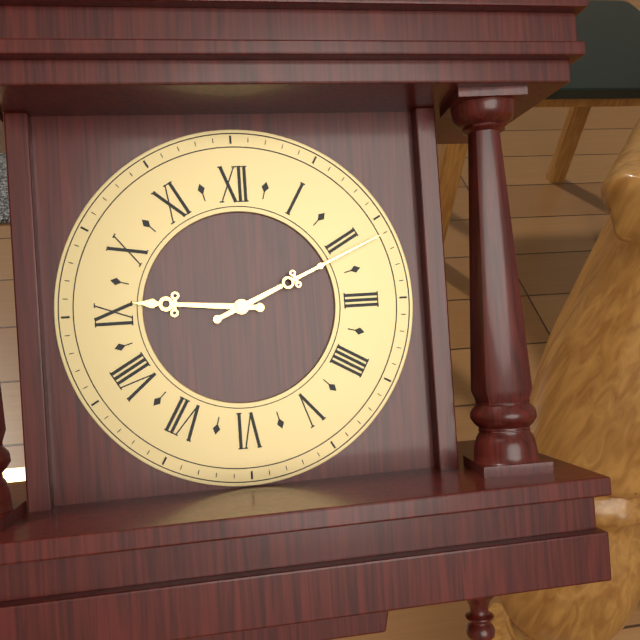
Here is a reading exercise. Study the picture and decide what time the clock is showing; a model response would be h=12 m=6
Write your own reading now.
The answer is h=9 m=11
